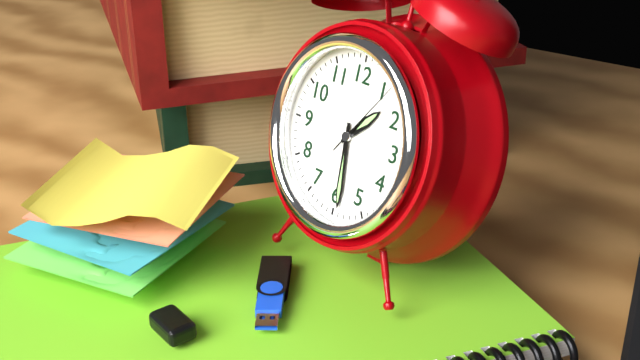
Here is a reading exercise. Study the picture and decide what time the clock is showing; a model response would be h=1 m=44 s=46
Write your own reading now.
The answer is h=1 m=29 s=6
